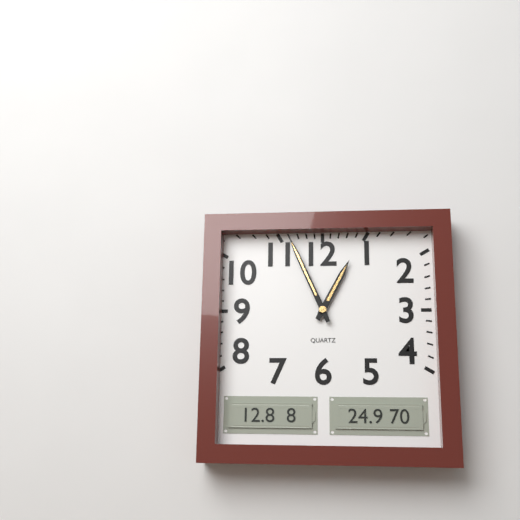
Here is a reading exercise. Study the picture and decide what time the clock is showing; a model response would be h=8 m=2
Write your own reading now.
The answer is h=12 m=56
